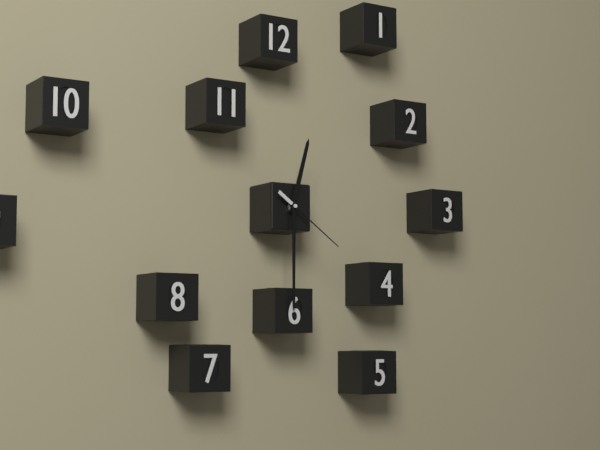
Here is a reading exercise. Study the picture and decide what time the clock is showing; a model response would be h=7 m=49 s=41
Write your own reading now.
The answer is h=12 m=30 s=21
